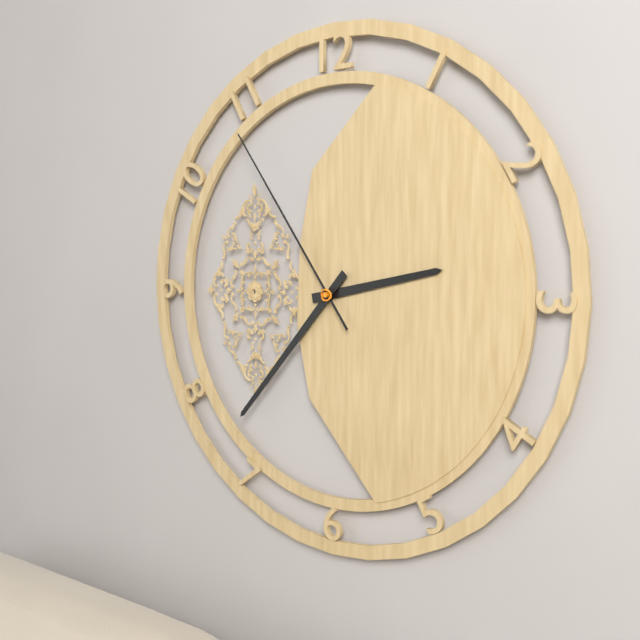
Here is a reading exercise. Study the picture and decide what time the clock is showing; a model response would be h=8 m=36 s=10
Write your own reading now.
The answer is h=2 m=37 s=54
